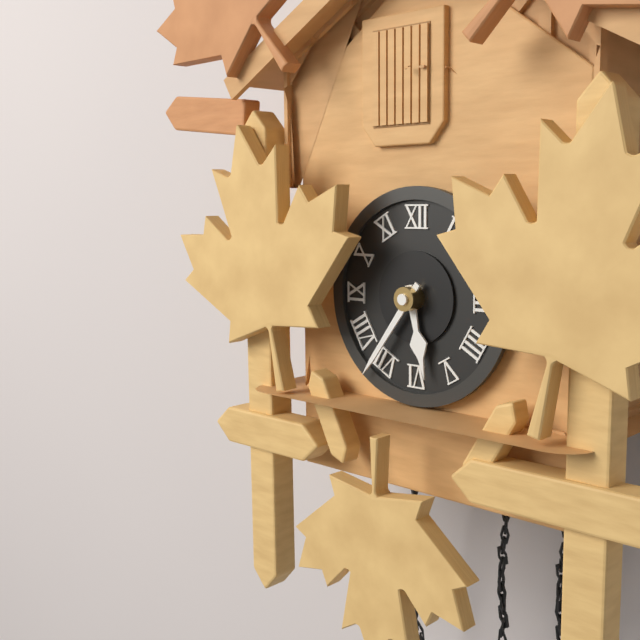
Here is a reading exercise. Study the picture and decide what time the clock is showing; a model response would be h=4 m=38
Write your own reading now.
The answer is h=5 m=36
